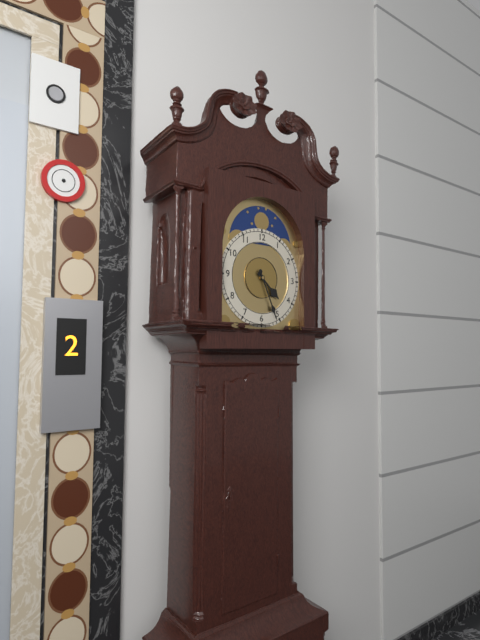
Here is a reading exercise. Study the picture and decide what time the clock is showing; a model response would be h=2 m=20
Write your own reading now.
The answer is h=4 m=26
